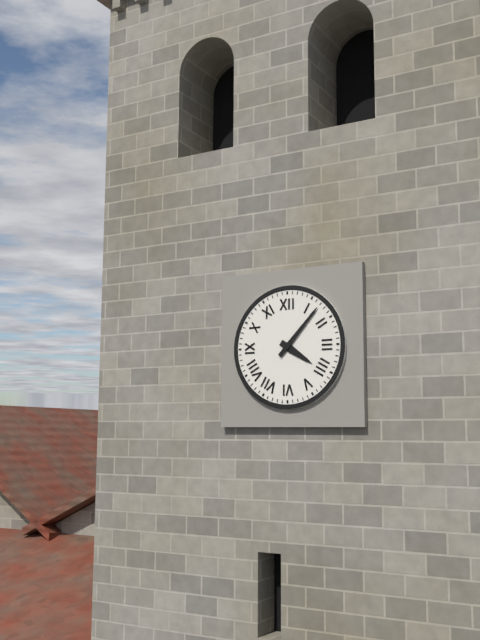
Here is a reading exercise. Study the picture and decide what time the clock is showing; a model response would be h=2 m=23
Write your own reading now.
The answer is h=4 m=7
